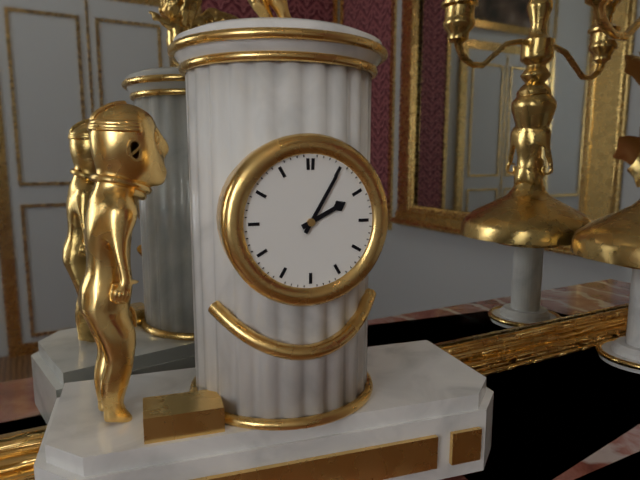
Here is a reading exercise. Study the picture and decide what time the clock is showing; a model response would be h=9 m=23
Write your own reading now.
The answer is h=2 m=5
